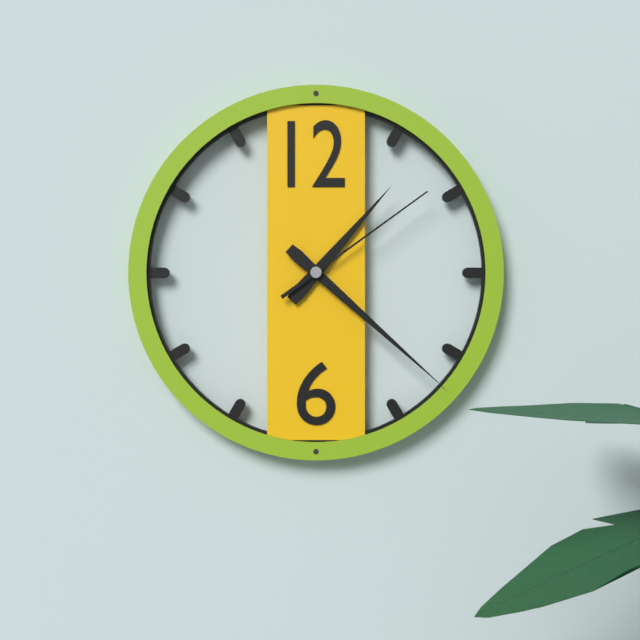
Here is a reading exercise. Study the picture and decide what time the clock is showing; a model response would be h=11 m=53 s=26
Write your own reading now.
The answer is h=1 m=22 s=9
